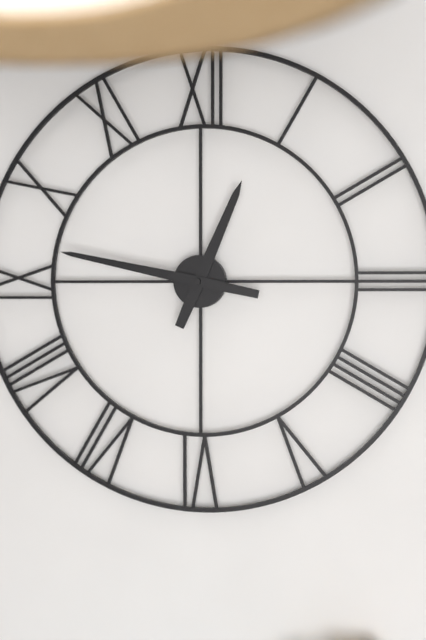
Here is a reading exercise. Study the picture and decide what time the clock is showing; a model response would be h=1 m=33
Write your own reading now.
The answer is h=12 m=47
